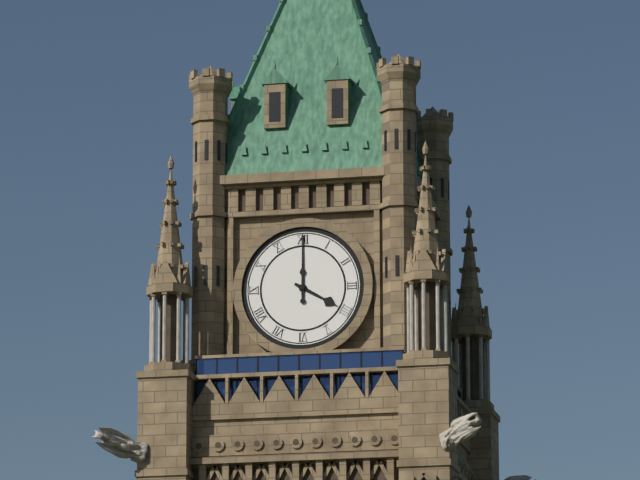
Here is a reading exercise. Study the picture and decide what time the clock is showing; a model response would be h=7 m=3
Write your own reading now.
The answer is h=4 m=0
